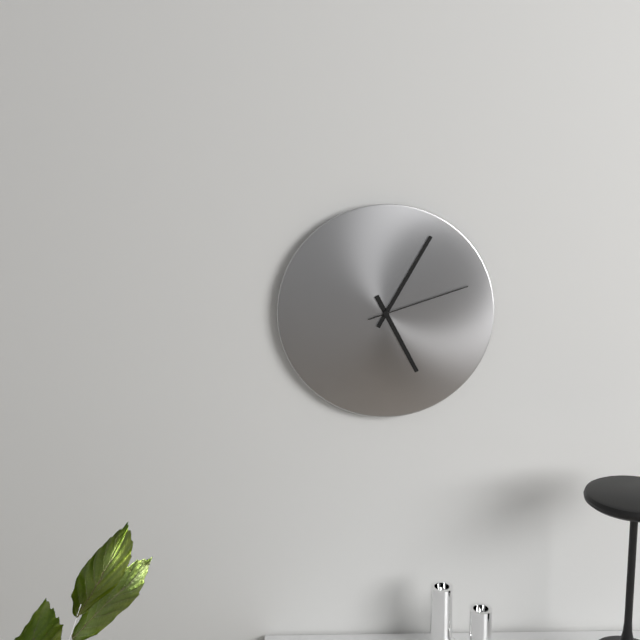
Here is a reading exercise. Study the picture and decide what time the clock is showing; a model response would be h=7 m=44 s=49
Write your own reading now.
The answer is h=5 m=5 s=12
